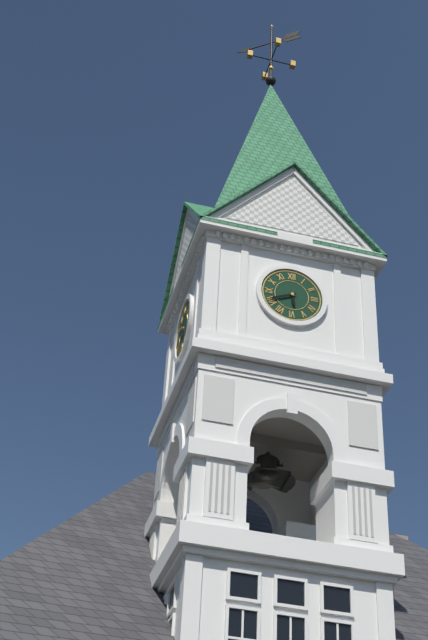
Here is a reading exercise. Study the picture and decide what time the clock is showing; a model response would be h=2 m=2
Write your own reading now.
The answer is h=5 m=41
